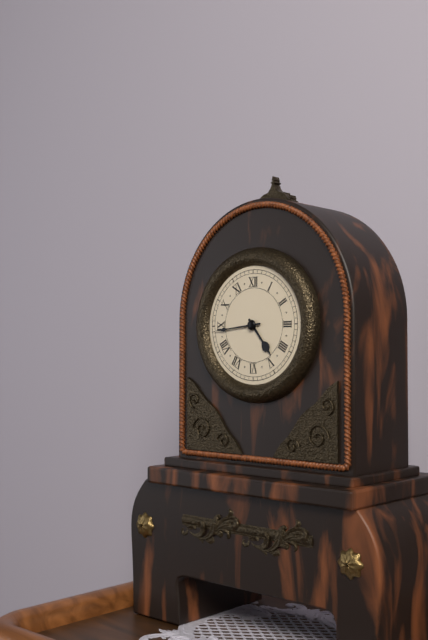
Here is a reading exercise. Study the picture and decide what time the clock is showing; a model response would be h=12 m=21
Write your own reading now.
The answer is h=4 m=44
